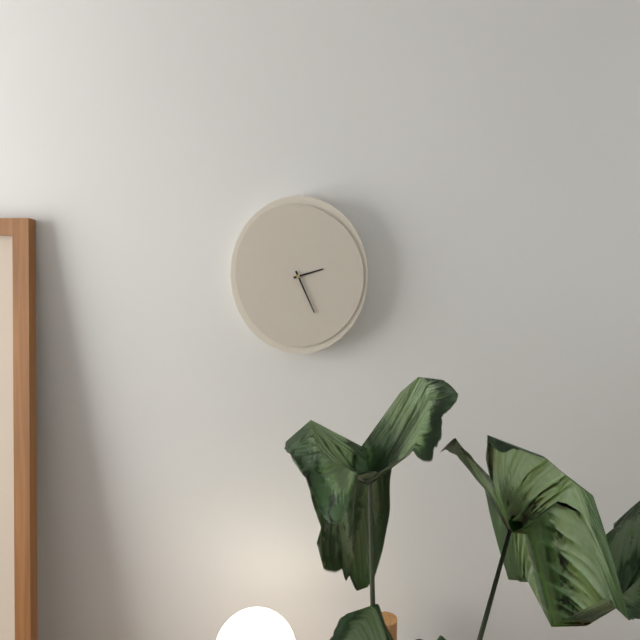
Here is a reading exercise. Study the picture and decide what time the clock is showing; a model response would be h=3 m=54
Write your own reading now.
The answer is h=2 m=26
